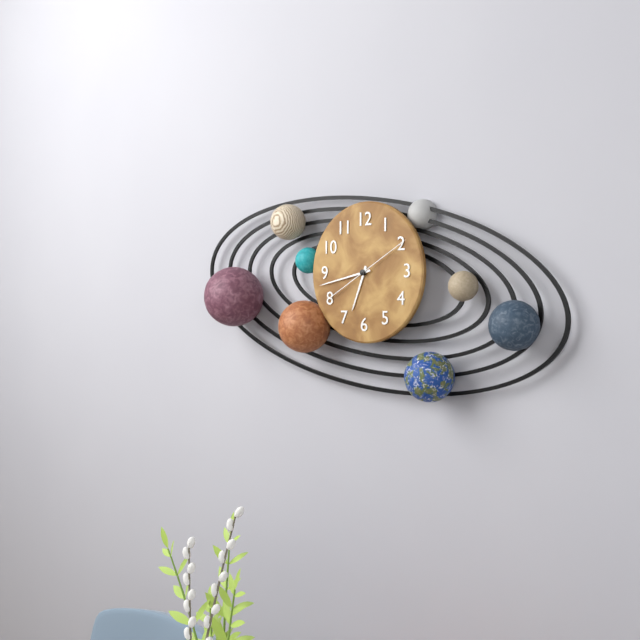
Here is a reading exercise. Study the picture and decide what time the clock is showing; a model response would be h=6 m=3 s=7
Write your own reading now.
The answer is h=6 m=43 s=10
